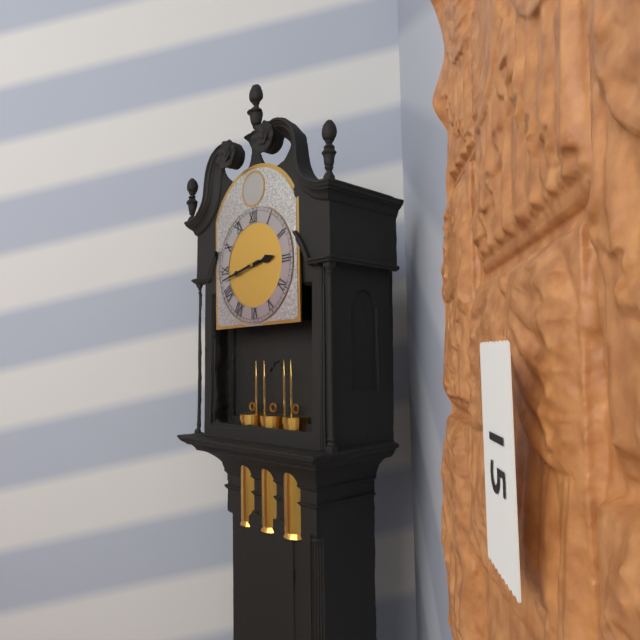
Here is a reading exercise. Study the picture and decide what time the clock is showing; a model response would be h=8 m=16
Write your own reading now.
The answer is h=2 m=43
